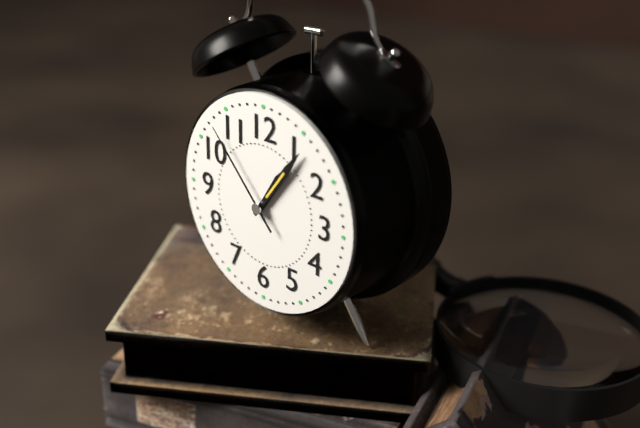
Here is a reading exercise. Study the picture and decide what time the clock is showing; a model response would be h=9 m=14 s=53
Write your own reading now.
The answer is h=1 m=6 s=53
